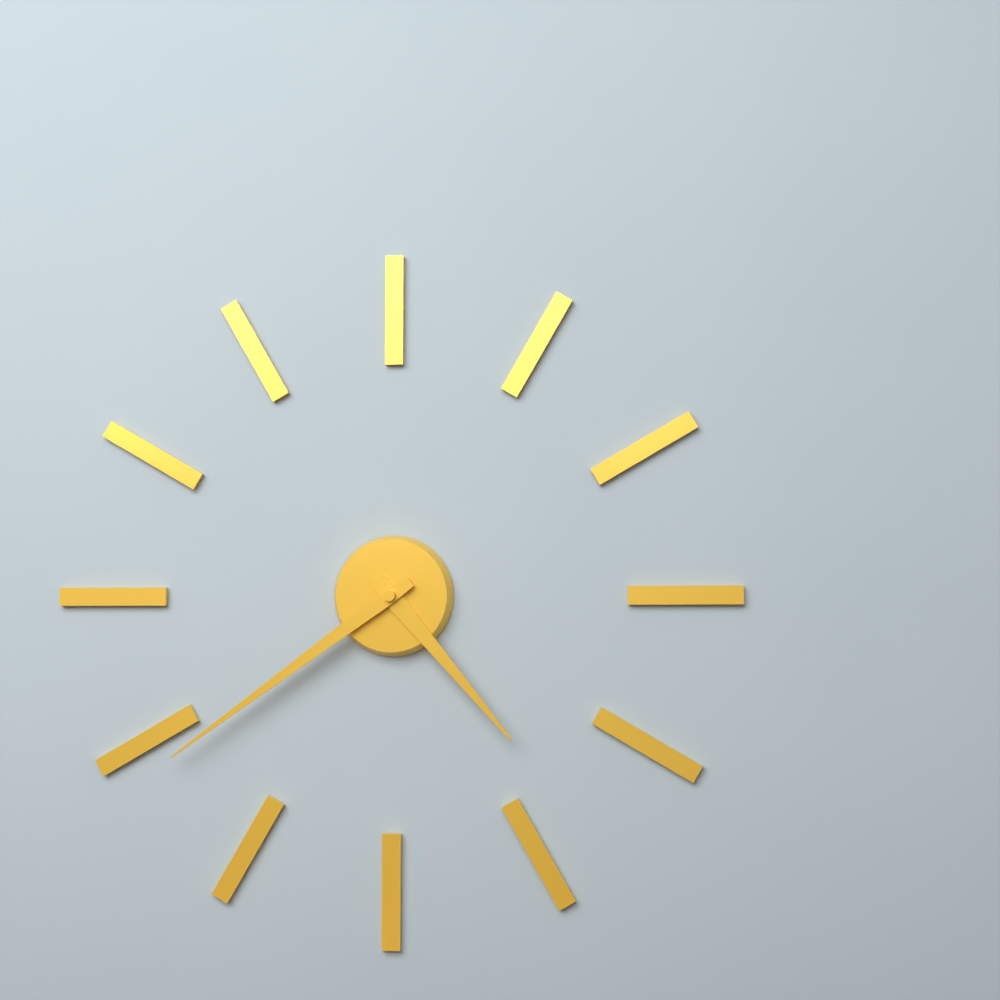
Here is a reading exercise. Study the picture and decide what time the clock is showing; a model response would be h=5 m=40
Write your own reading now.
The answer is h=4 m=39
